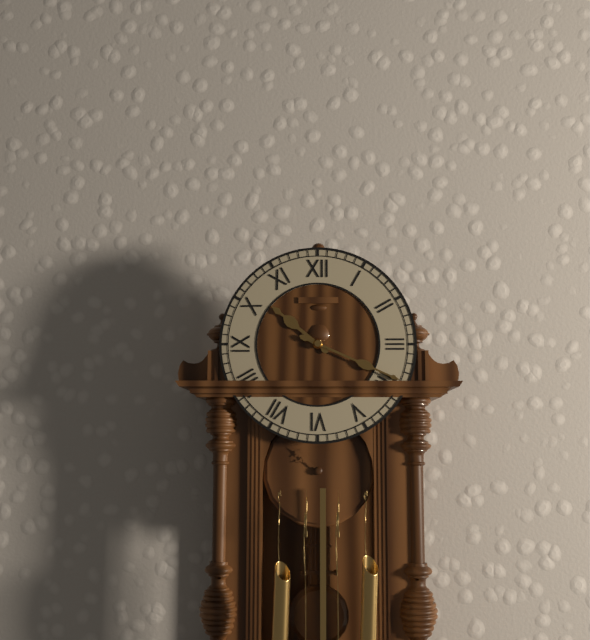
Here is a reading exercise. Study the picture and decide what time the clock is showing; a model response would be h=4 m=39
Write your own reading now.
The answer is h=10 m=19
